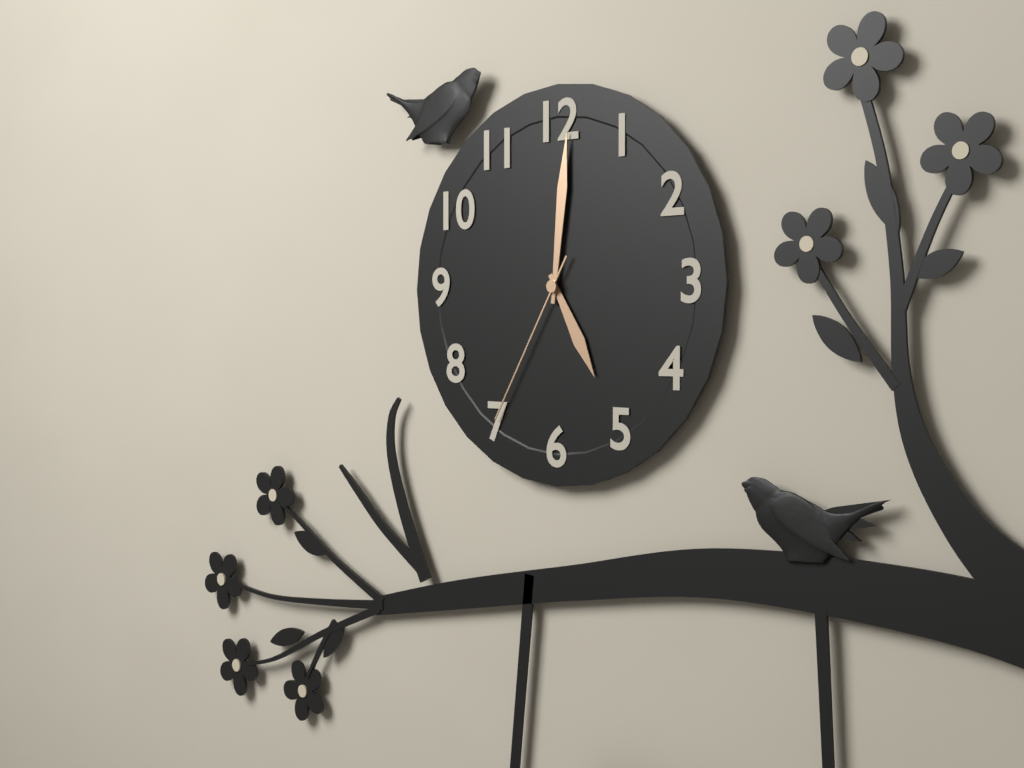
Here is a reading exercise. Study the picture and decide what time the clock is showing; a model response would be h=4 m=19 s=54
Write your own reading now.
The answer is h=5 m=1 s=35
